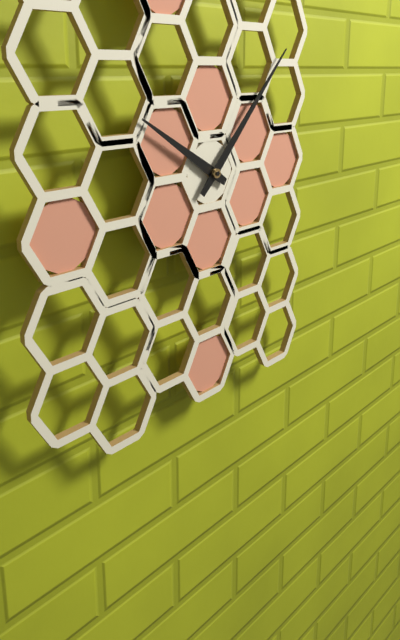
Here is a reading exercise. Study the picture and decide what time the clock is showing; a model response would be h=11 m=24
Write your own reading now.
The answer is h=10 m=7
